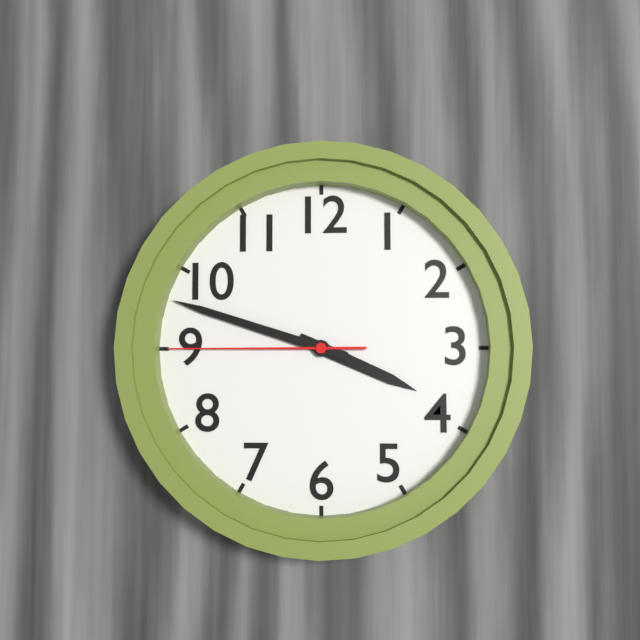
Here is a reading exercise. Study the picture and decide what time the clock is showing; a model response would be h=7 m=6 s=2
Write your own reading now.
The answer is h=3 m=48 s=45
